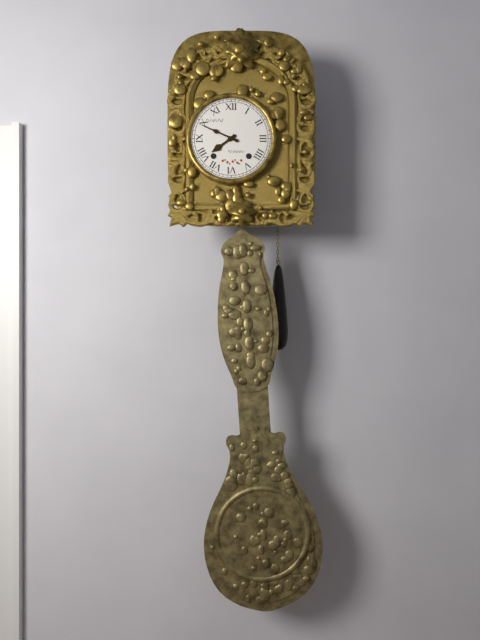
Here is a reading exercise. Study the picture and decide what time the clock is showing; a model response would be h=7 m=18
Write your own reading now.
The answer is h=7 m=49
